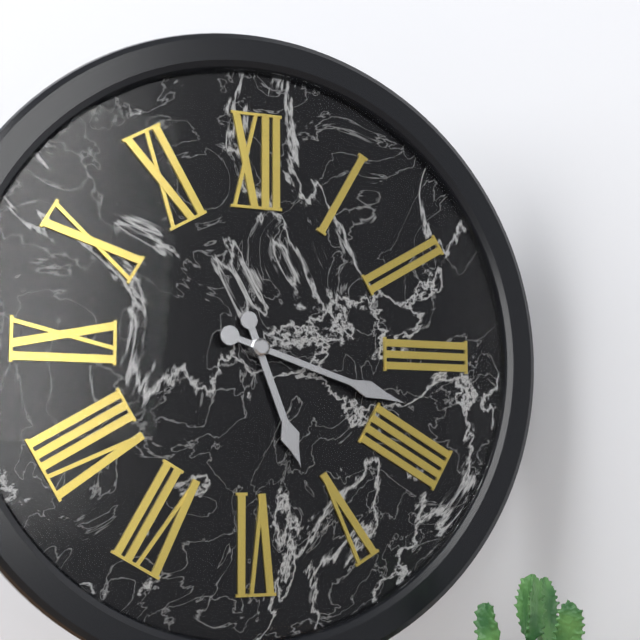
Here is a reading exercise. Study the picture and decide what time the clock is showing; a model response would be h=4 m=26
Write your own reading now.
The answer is h=5 m=18
